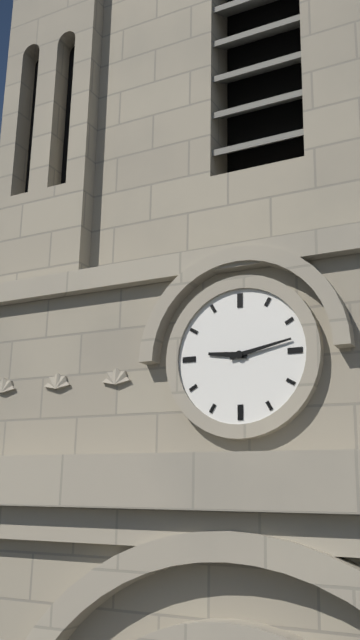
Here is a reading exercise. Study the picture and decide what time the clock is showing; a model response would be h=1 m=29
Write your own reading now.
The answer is h=9 m=13
